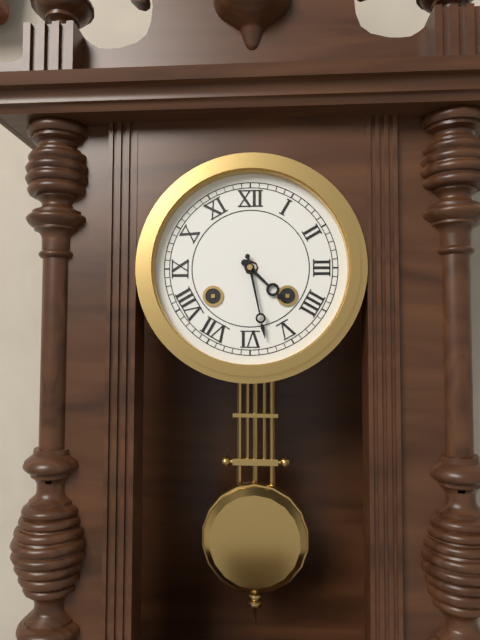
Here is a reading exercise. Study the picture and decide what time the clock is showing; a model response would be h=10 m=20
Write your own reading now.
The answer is h=4 m=28
